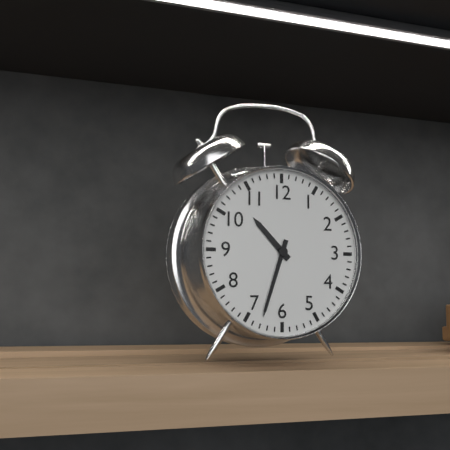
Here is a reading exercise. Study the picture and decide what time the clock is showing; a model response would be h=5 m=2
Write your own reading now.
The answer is h=10 m=33
